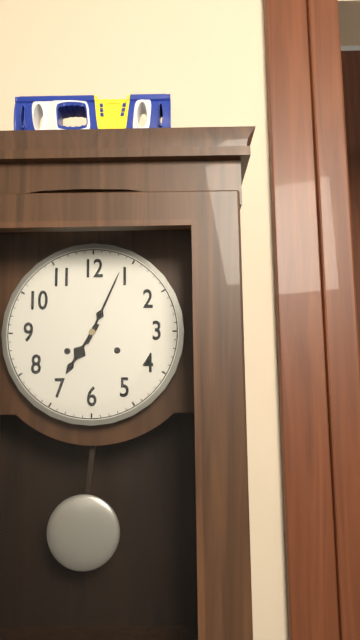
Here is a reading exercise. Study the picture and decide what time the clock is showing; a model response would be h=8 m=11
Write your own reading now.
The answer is h=7 m=4
